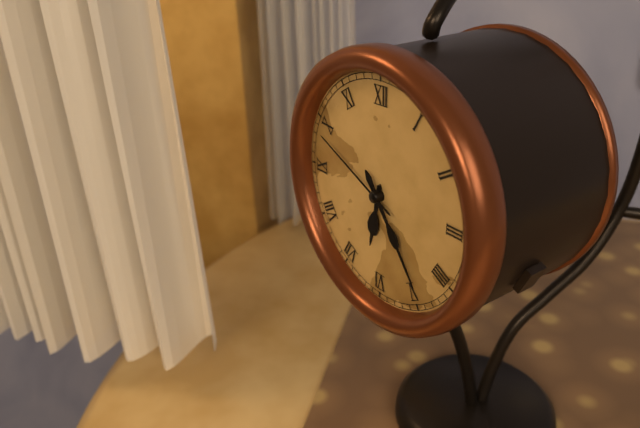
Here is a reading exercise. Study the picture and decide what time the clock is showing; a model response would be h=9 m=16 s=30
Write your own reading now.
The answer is h=6 m=24 s=49
